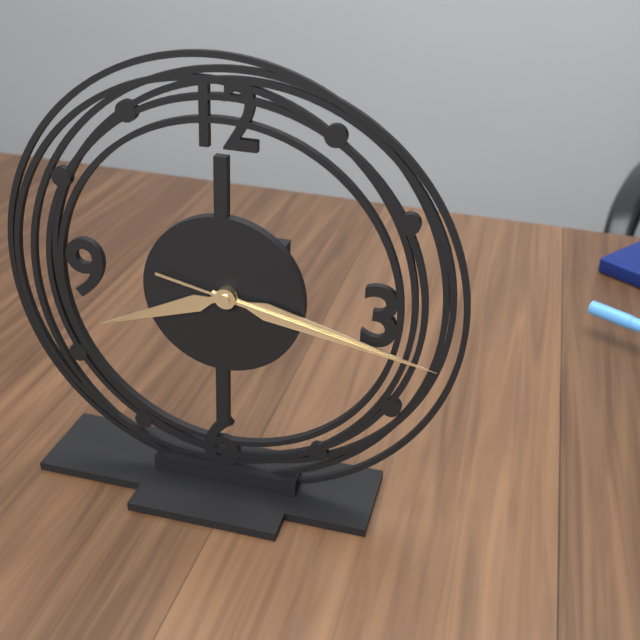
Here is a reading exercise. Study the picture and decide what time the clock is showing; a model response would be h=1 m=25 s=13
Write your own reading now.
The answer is h=8 m=17 s=17
